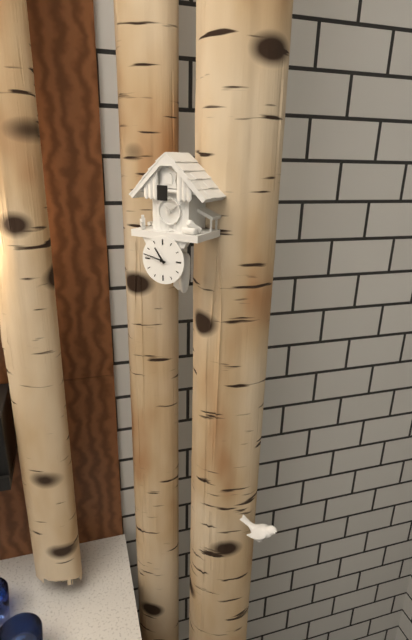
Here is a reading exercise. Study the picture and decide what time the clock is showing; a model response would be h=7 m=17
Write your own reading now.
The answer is h=10 m=47
